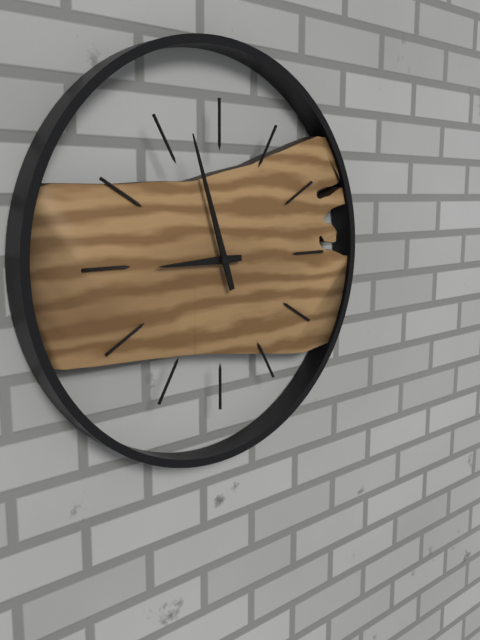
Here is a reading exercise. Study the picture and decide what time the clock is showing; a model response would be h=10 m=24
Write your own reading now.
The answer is h=8 m=57
